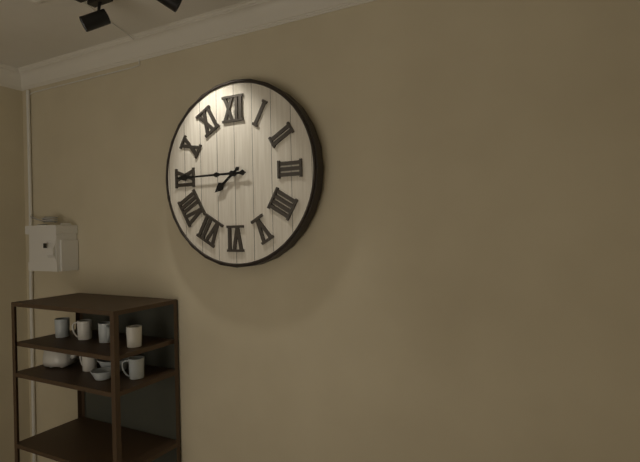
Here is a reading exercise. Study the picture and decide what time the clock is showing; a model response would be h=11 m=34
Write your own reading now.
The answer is h=7 m=45
